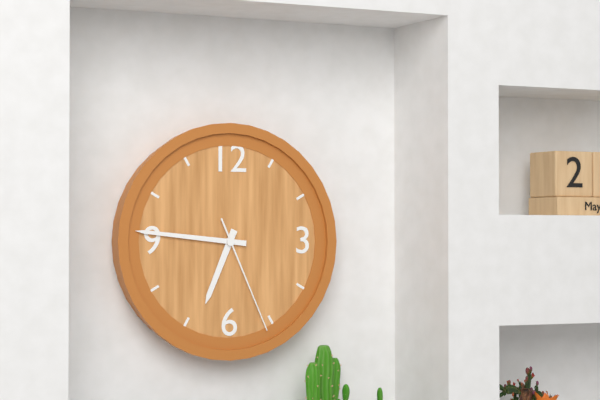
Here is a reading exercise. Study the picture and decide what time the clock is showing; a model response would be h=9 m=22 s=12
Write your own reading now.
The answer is h=6 m=46 s=26
